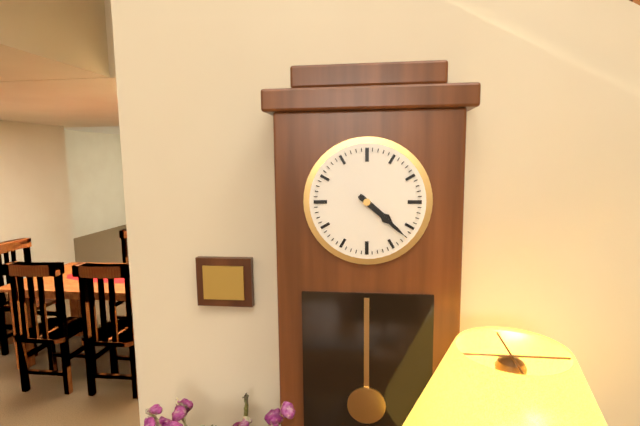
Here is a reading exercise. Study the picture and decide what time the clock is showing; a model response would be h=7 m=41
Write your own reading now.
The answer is h=4 m=22
